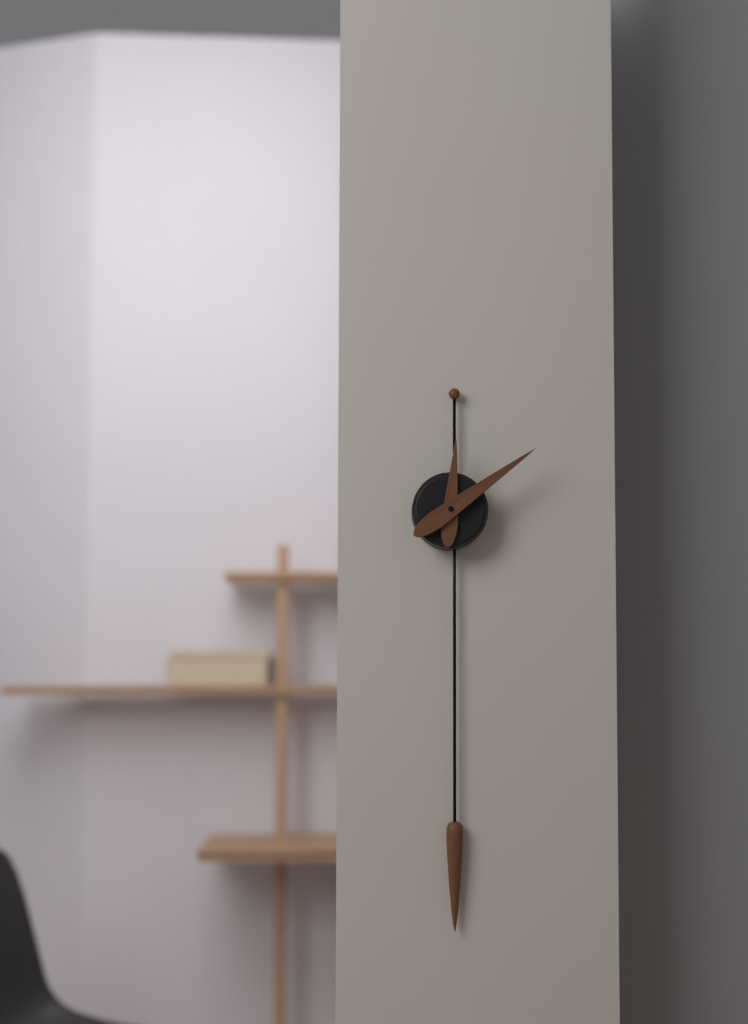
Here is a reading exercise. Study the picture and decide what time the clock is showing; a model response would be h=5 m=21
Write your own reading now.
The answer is h=12 m=9
